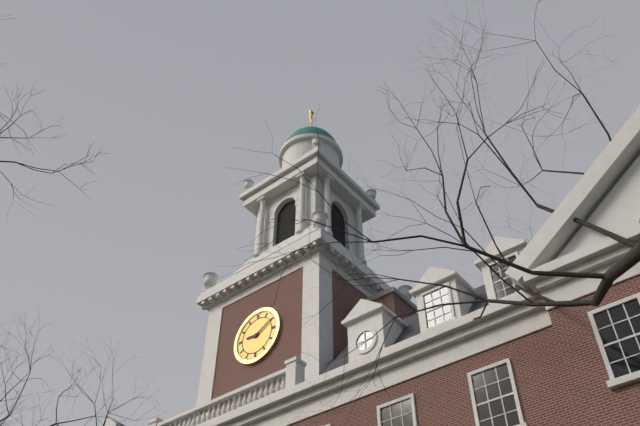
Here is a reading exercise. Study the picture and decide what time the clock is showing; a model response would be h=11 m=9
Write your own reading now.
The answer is h=9 m=10
